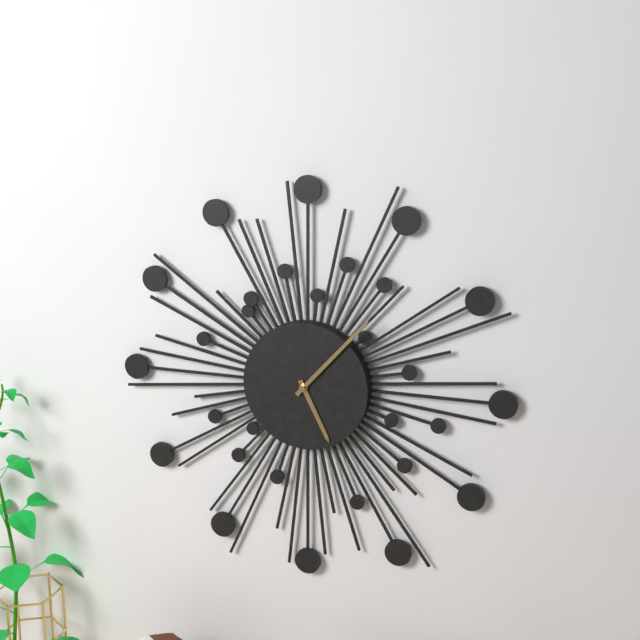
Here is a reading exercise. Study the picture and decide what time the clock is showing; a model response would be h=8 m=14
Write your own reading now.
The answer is h=5 m=7
